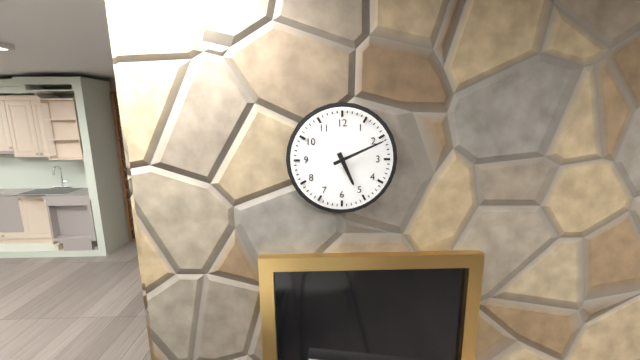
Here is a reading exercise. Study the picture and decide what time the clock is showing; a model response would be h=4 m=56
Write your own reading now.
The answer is h=5 m=11
